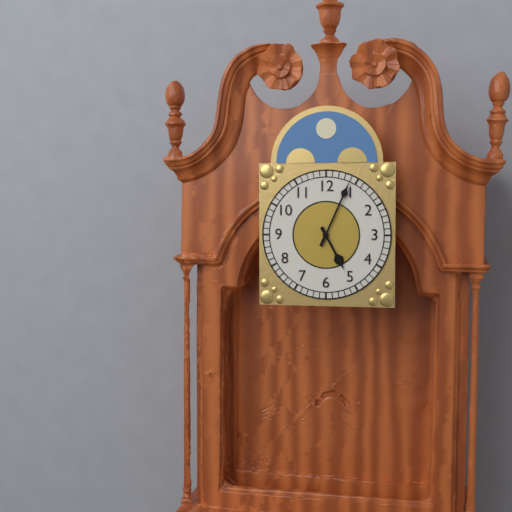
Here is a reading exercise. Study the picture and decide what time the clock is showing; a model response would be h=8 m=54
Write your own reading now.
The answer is h=5 m=4
